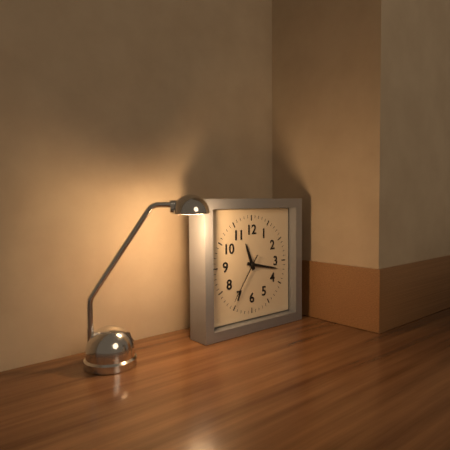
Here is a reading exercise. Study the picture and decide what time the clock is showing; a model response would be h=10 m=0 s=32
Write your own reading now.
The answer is h=11 m=17 s=36
